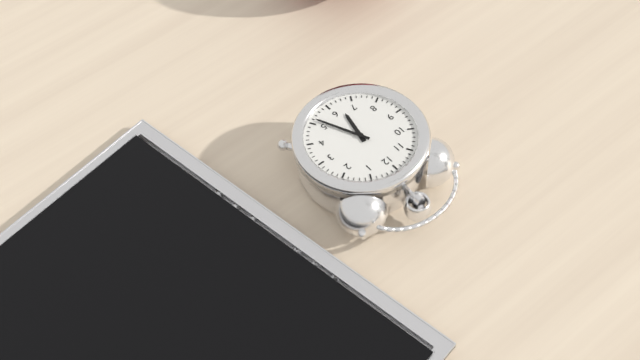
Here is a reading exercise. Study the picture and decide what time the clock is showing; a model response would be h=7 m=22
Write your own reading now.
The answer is h=6 m=26
